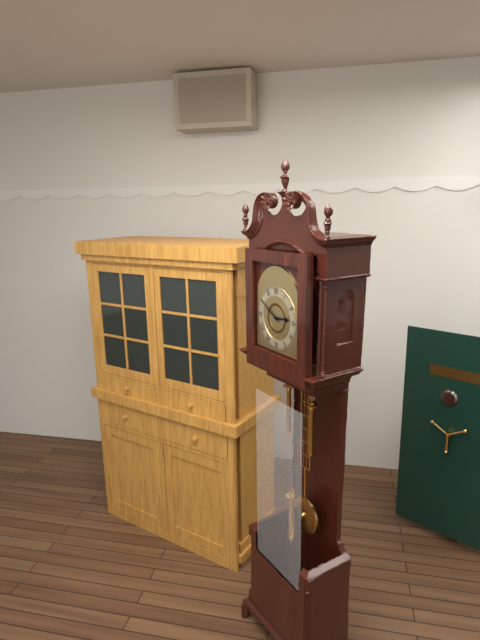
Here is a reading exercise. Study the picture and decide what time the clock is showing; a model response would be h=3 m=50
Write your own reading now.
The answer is h=2 m=50
